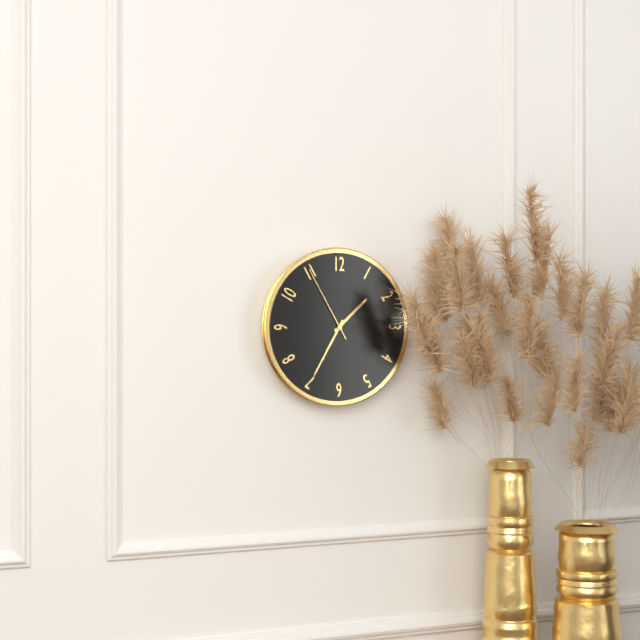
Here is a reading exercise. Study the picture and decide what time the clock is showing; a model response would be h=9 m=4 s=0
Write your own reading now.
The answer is h=1 m=35 s=55
